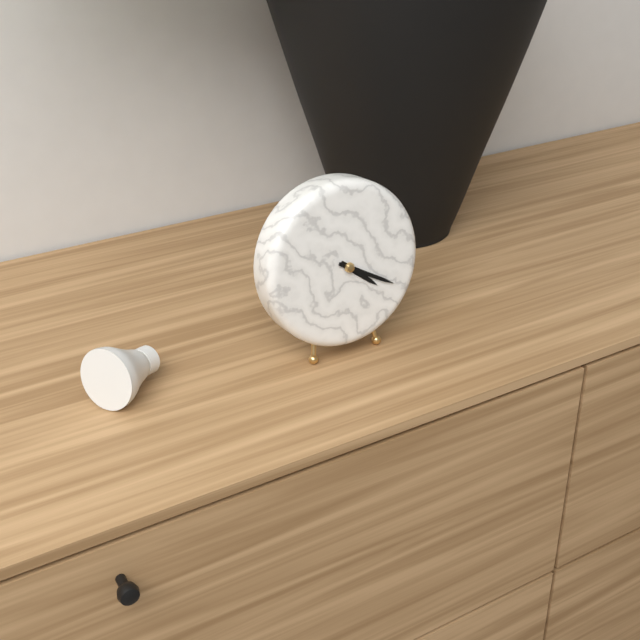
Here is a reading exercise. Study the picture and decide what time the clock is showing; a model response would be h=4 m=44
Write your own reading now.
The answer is h=4 m=20
